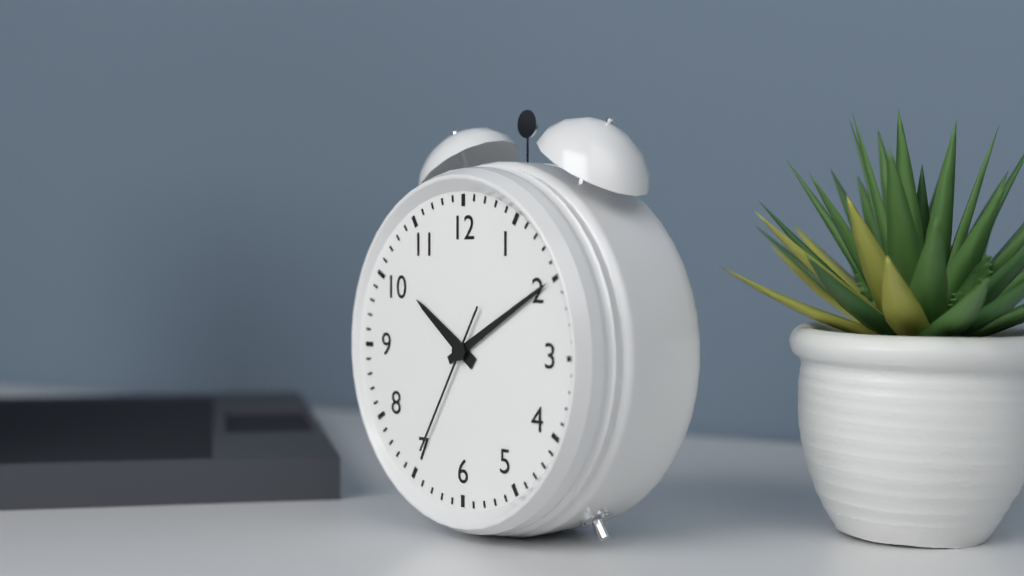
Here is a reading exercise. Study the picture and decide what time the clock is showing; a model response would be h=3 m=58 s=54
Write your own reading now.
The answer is h=10 m=10 s=35
